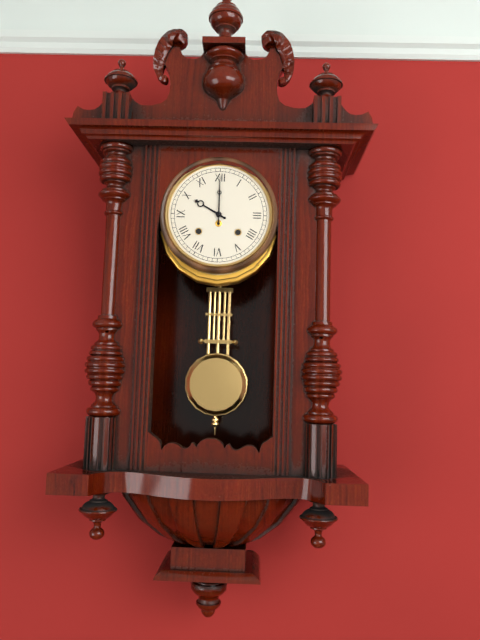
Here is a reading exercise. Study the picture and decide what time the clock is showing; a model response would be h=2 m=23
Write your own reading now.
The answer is h=10 m=0
